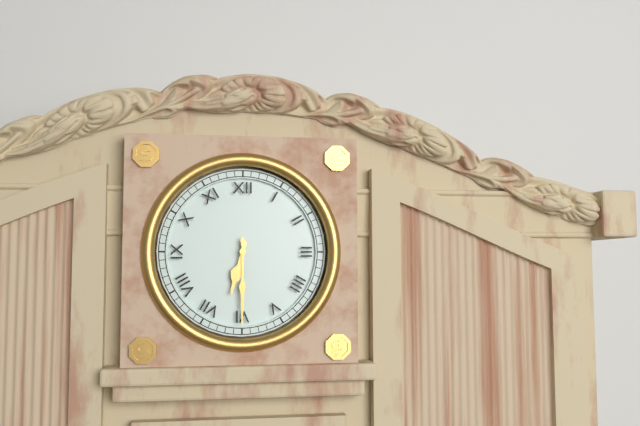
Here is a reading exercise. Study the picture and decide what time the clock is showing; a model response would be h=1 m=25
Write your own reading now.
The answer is h=6 m=30
